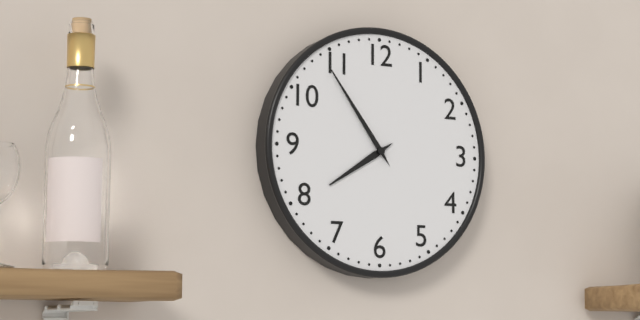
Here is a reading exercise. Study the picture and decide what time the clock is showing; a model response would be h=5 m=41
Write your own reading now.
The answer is h=7 m=54
